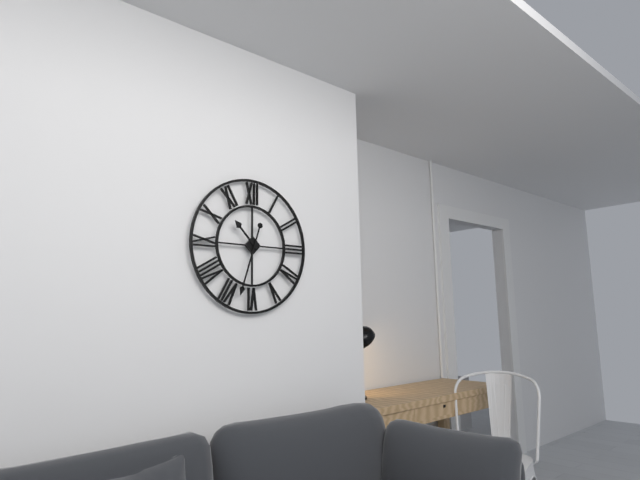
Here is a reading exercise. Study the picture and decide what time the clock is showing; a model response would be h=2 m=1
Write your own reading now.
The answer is h=10 m=33
